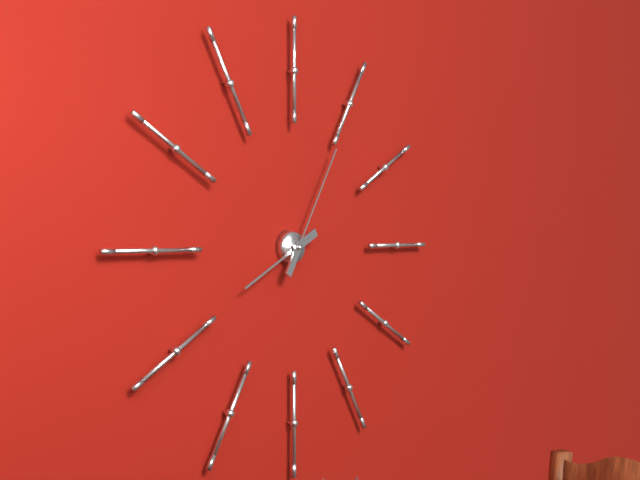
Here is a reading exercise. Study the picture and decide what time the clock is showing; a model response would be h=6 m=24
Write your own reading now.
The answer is h=8 m=5
